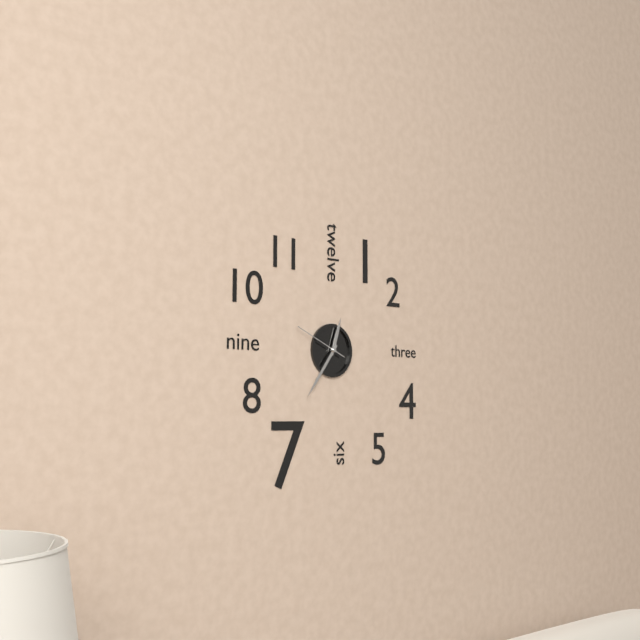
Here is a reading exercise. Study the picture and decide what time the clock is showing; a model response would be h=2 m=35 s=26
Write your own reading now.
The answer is h=12 m=36 s=49
